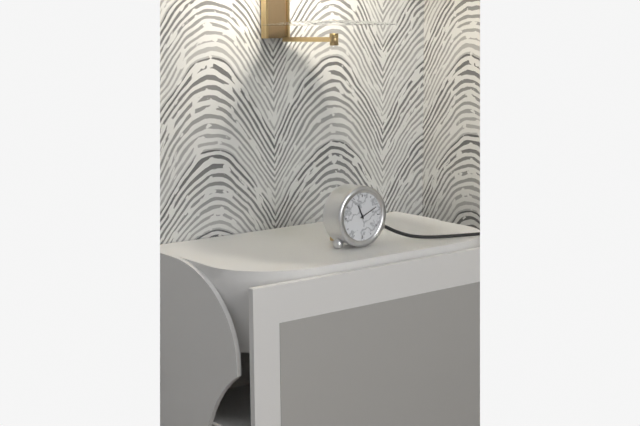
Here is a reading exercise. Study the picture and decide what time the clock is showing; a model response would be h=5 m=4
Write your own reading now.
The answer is h=11 m=11
